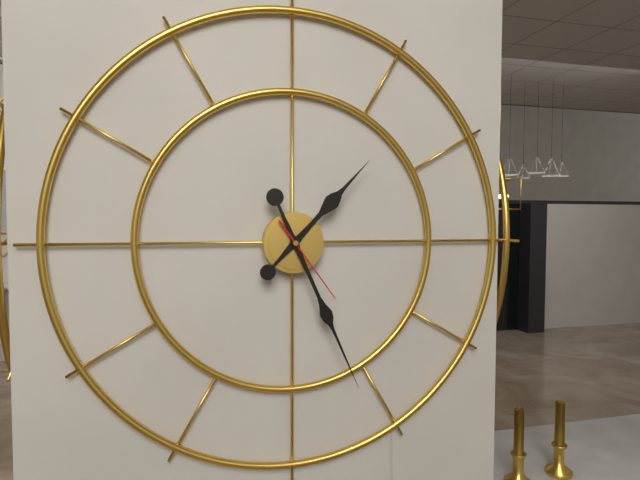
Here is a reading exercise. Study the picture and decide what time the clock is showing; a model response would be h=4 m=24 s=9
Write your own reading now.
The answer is h=1 m=26 s=24
